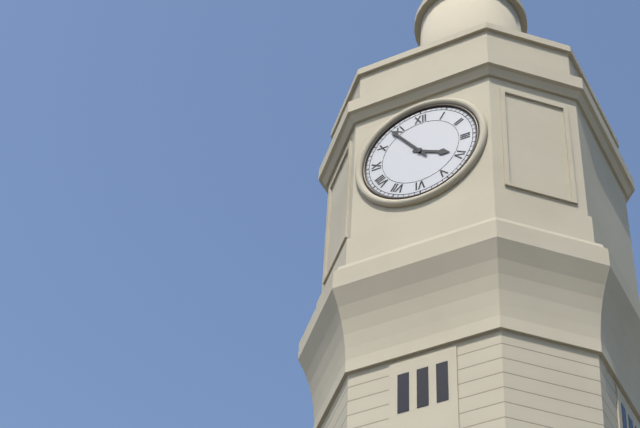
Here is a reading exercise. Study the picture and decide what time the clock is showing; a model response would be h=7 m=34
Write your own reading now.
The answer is h=3 m=54
